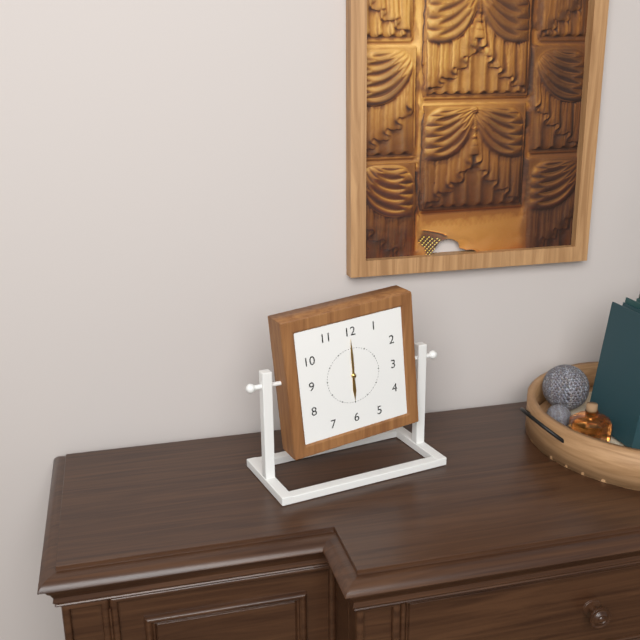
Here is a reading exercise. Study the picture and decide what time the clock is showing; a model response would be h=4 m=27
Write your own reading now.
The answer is h=6 m=0
